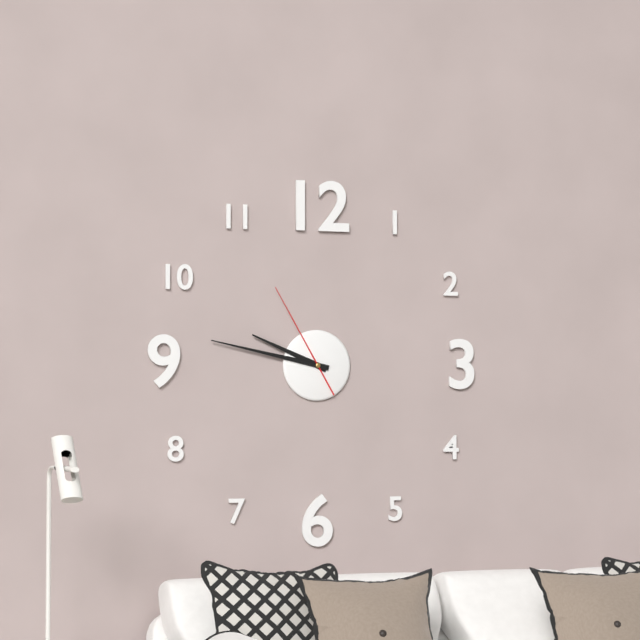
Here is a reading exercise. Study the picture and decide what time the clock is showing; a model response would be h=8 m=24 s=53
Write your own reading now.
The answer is h=9 m=47 s=55
